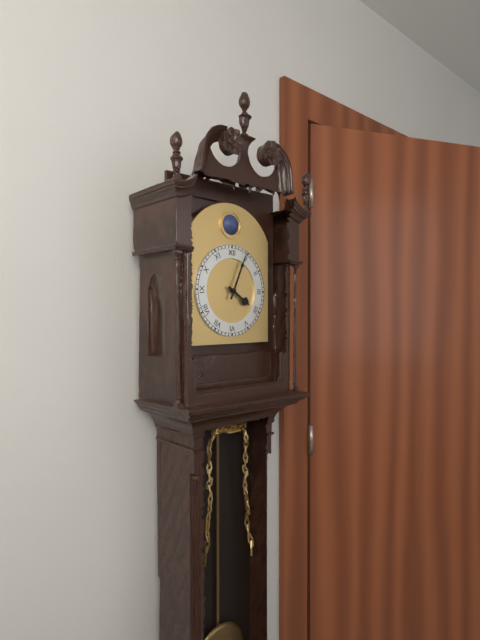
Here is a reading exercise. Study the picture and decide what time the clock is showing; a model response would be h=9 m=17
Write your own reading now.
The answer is h=4 m=4
